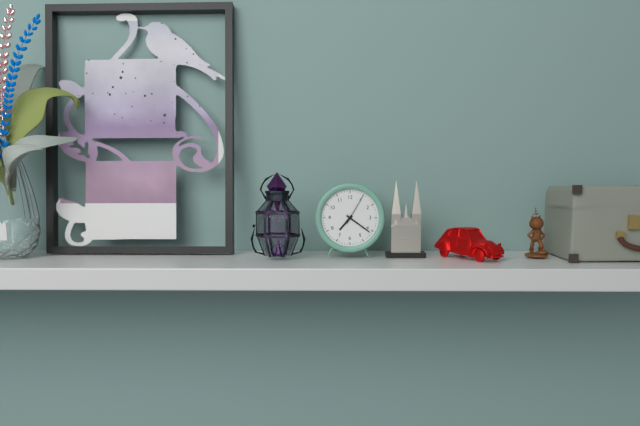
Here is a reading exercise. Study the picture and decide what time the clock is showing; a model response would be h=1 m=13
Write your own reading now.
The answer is h=7 m=21
